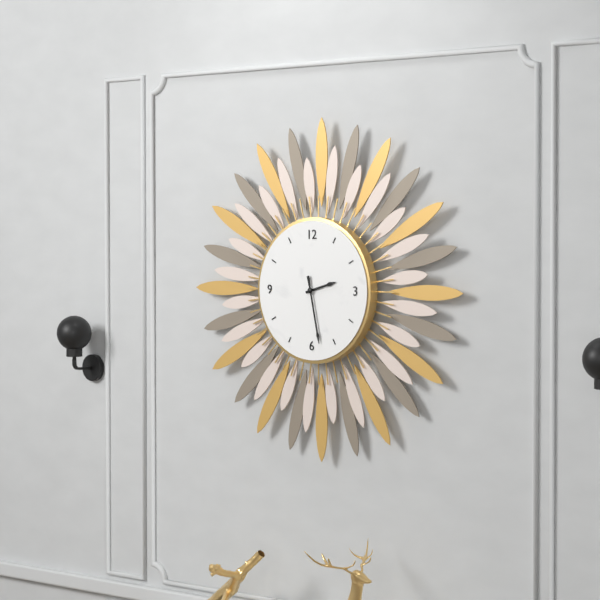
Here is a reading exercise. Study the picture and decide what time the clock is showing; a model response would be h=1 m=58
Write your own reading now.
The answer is h=2 m=28
